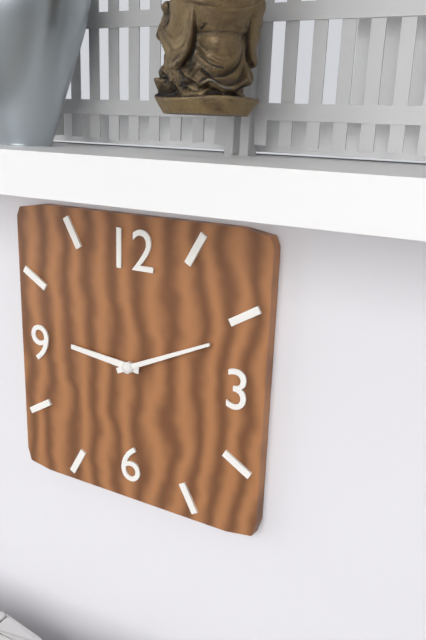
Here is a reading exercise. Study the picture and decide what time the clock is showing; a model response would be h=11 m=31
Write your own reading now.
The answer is h=9 m=11
